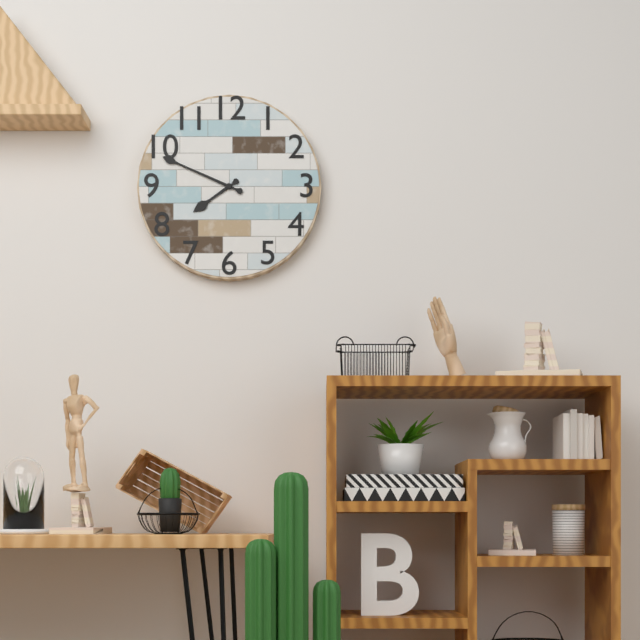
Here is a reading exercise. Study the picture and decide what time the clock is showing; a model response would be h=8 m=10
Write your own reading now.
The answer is h=7 m=49
